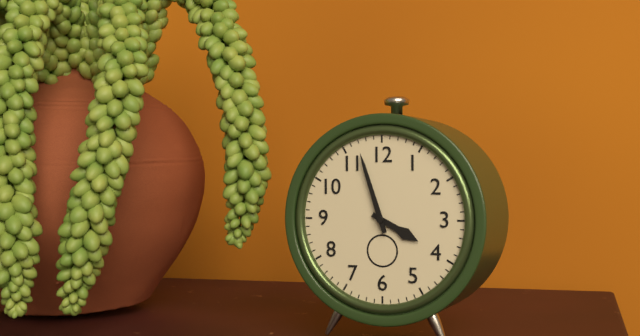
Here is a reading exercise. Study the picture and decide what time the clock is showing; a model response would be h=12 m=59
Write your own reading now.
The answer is h=3 m=57
